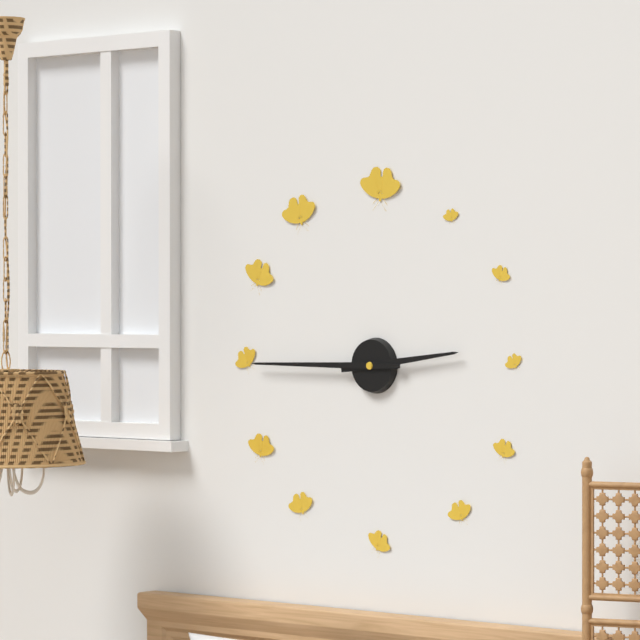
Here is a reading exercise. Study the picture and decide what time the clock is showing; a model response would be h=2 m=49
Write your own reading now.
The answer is h=2 m=45
